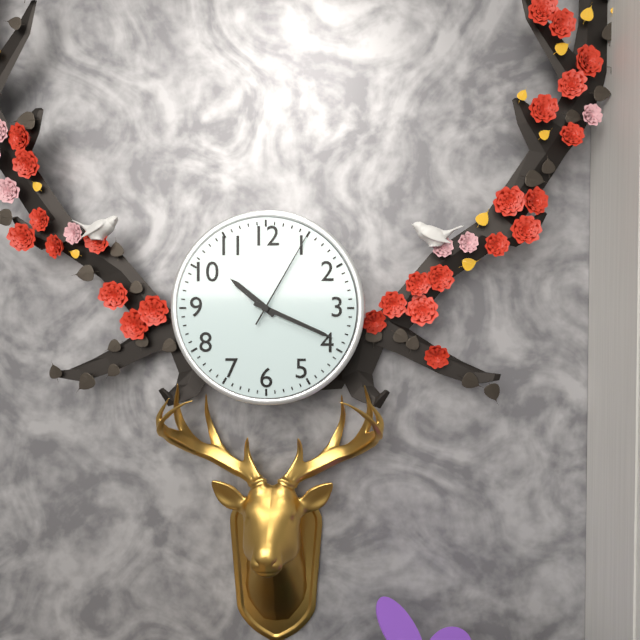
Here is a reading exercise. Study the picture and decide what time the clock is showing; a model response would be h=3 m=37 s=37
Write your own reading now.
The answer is h=10 m=19 s=5
